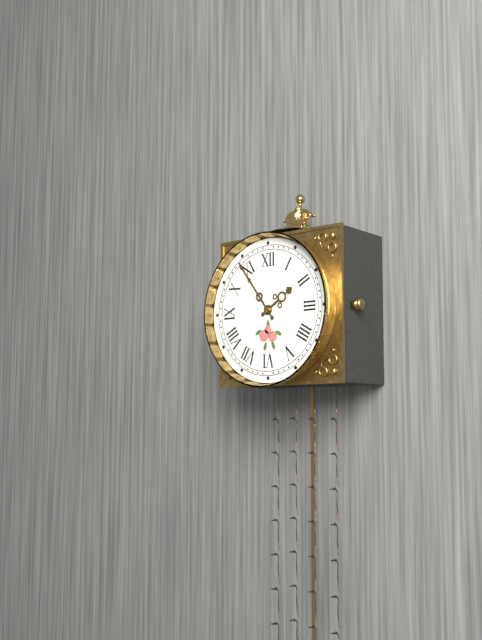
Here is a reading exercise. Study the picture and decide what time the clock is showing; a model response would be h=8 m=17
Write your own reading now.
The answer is h=1 m=54
